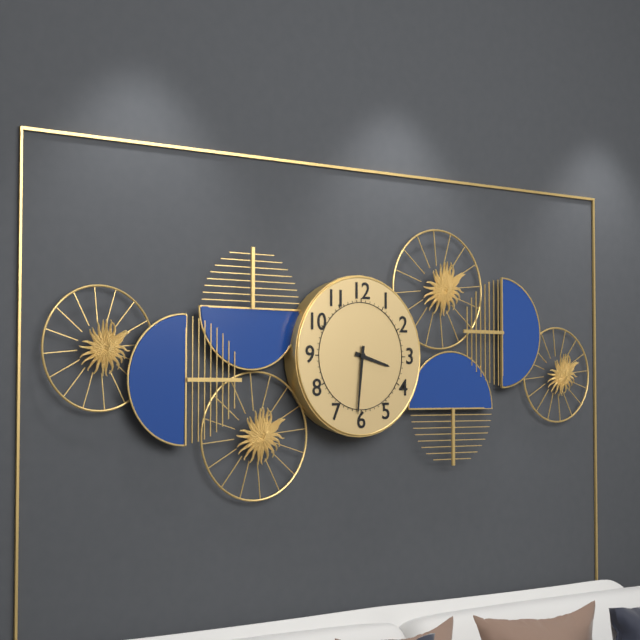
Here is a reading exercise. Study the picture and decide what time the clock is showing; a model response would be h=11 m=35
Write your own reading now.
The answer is h=3 m=31
